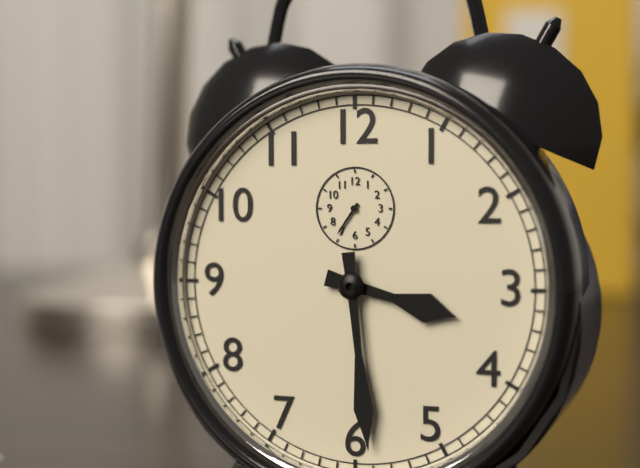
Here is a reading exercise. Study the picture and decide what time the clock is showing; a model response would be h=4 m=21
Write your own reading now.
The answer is h=3 m=29
